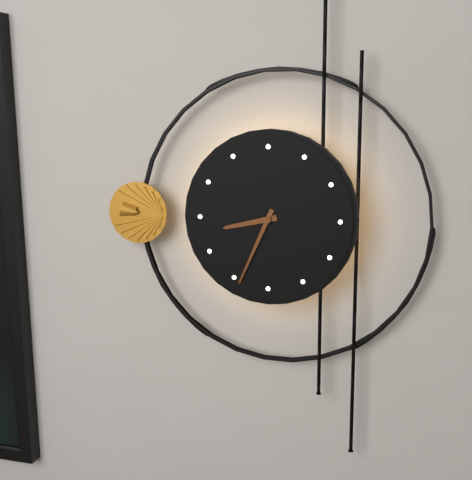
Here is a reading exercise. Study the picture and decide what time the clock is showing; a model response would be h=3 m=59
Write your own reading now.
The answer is h=8 m=34
